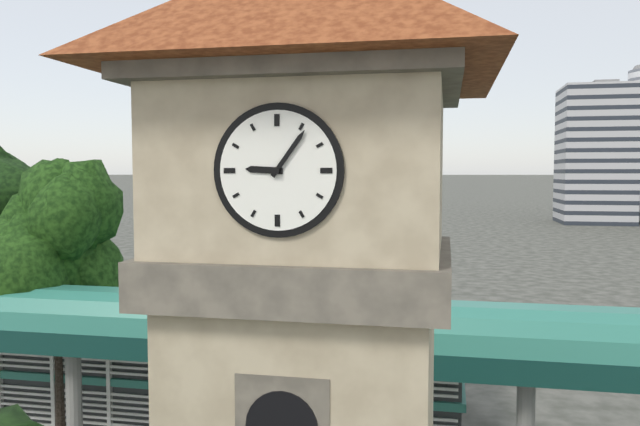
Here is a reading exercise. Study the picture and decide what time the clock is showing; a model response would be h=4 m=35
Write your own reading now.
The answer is h=9 m=6
